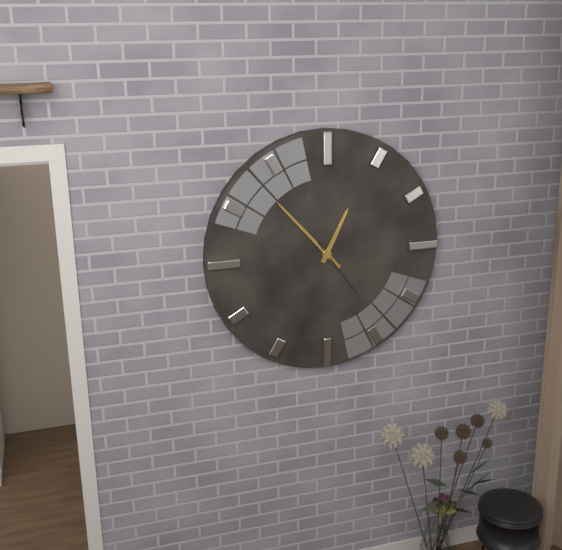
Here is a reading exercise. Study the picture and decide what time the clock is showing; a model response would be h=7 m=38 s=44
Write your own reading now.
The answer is h=12 m=53 s=24
